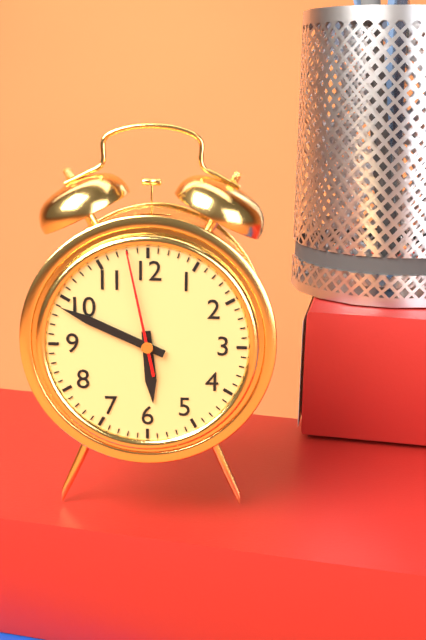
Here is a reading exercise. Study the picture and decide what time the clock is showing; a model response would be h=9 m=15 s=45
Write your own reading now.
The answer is h=5 m=49 s=58
